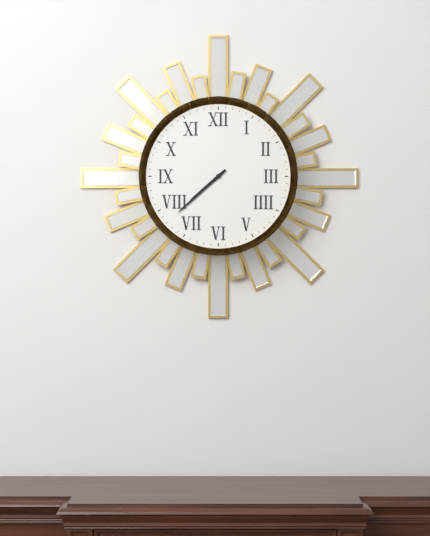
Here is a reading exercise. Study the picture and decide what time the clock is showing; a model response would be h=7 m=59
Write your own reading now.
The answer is h=7 m=38
